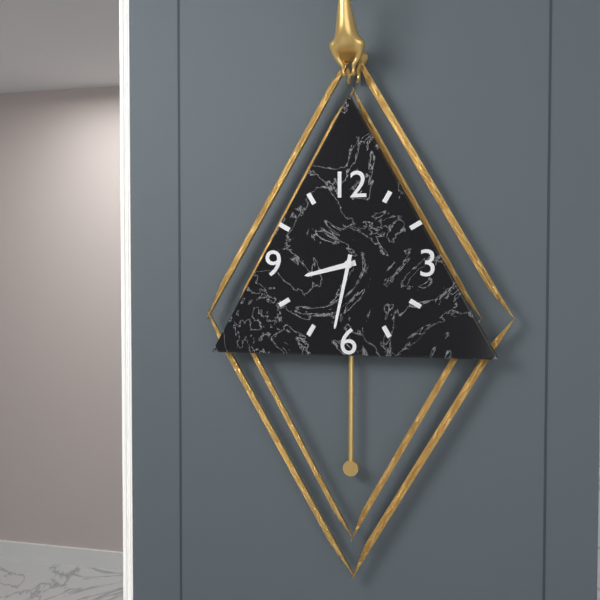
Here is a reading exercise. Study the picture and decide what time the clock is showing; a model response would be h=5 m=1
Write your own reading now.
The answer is h=8 m=32
